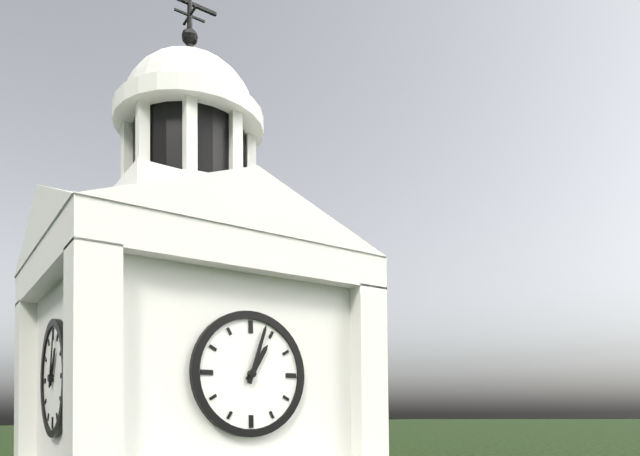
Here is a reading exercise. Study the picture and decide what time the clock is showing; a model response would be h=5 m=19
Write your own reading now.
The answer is h=1 m=3
